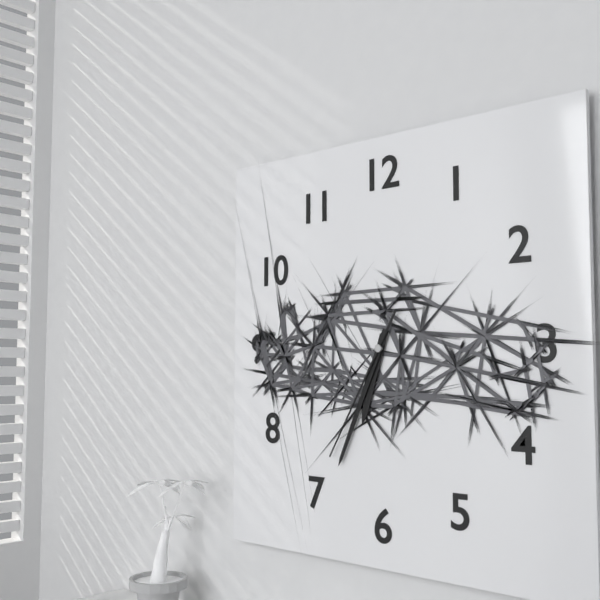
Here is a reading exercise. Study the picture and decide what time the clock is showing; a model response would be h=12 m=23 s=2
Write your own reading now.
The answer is h=6 m=34 s=35
